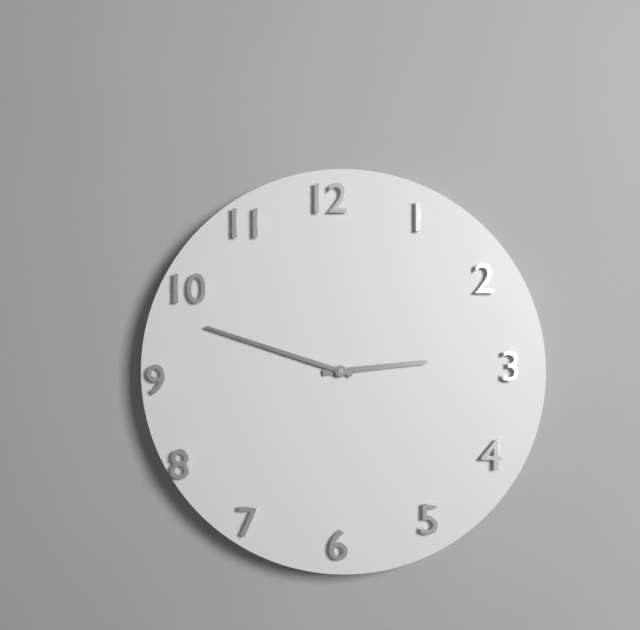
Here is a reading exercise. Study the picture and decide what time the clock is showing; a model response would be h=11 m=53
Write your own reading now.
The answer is h=2 m=48
